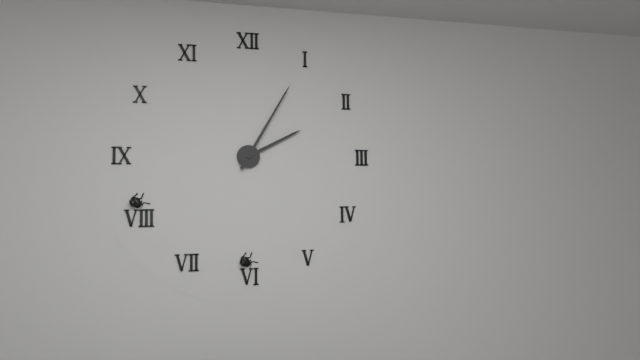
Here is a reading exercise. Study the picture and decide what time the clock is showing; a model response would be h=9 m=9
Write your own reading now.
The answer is h=2 m=5
